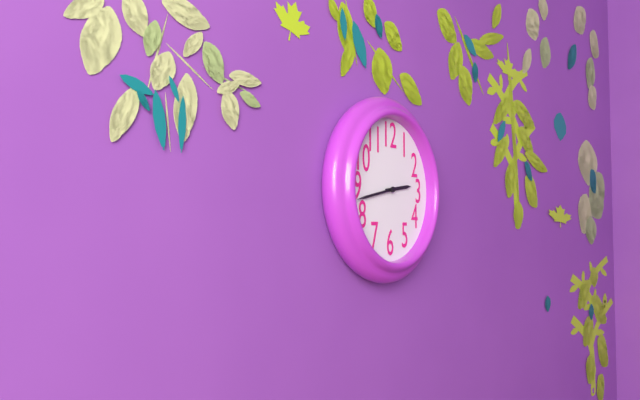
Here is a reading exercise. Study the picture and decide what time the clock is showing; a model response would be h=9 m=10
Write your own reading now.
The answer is h=2 m=43
